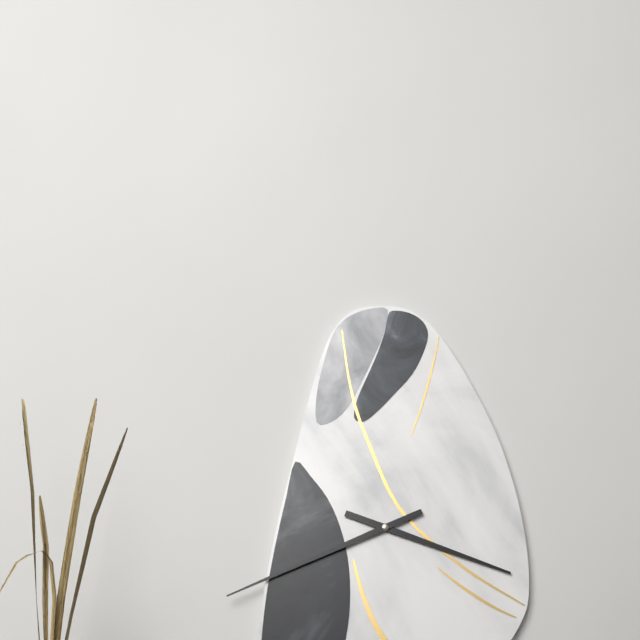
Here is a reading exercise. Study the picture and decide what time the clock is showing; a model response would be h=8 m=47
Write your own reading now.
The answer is h=3 m=41
